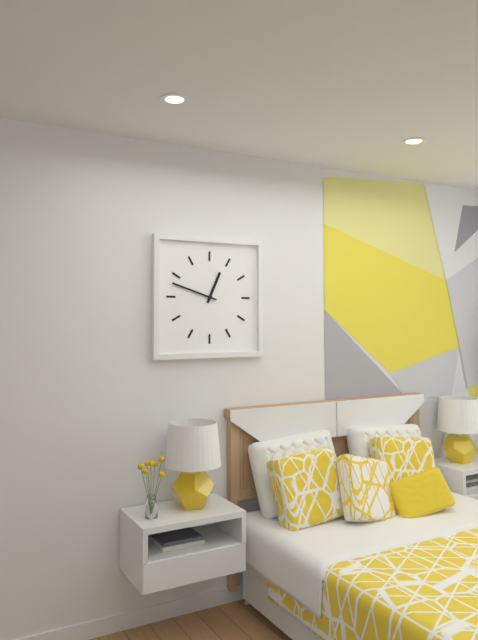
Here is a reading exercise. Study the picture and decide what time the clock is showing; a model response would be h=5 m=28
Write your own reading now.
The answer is h=12 m=48
